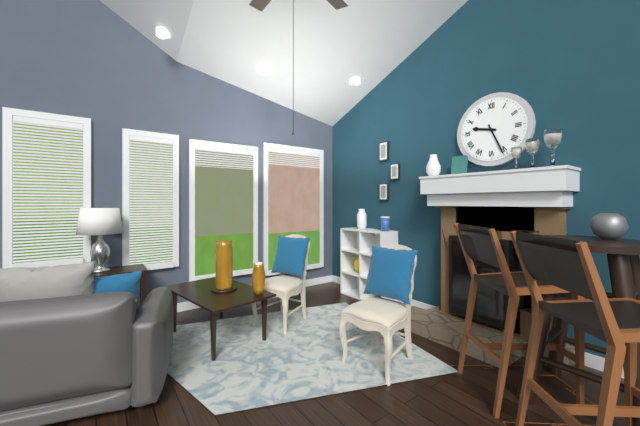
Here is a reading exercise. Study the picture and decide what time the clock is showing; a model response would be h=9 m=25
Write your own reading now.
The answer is h=9 m=26
